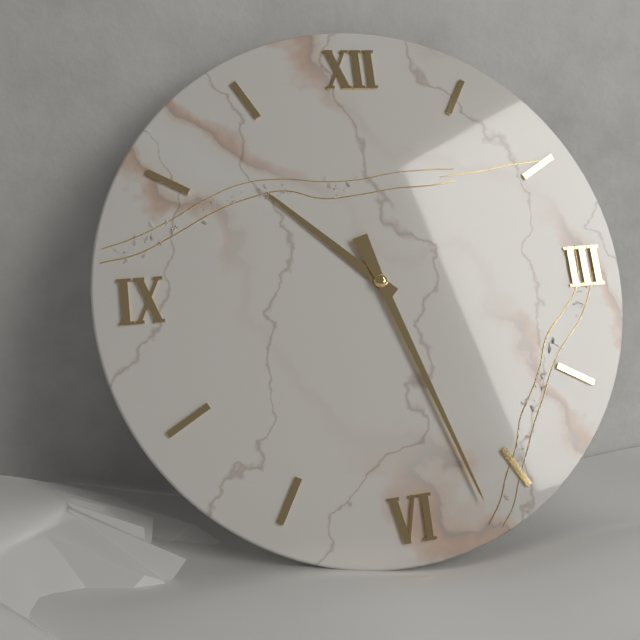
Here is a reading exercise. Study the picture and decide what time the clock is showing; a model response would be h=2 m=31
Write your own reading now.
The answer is h=10 m=27
